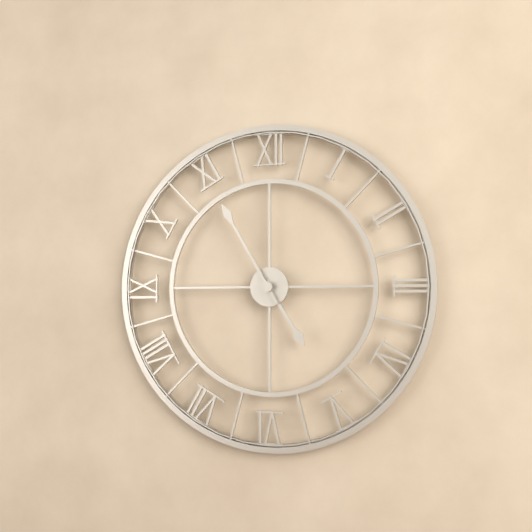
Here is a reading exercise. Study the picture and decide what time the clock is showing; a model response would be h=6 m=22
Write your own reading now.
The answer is h=4 m=55
